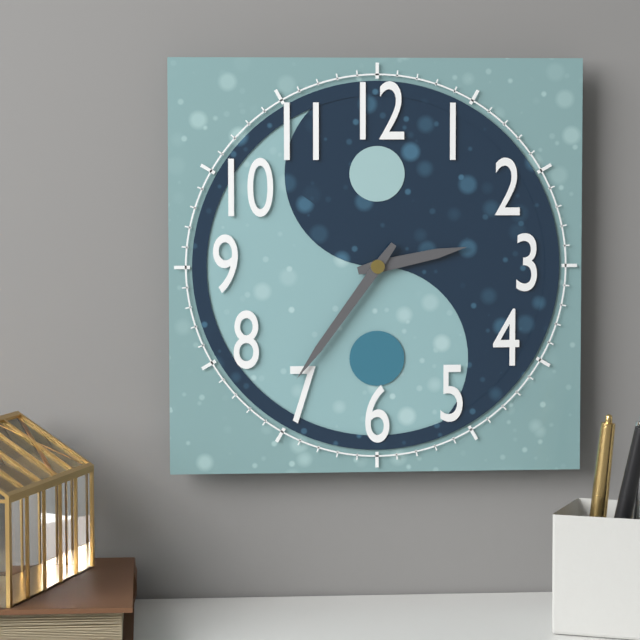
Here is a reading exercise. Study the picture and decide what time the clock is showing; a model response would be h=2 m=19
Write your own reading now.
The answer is h=2 m=36
